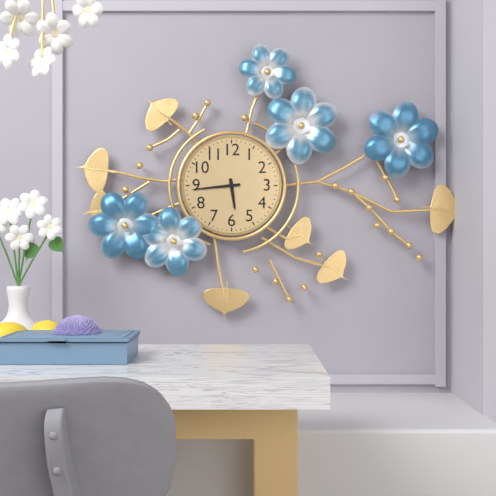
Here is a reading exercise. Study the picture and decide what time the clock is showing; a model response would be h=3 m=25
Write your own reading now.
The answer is h=5 m=44
